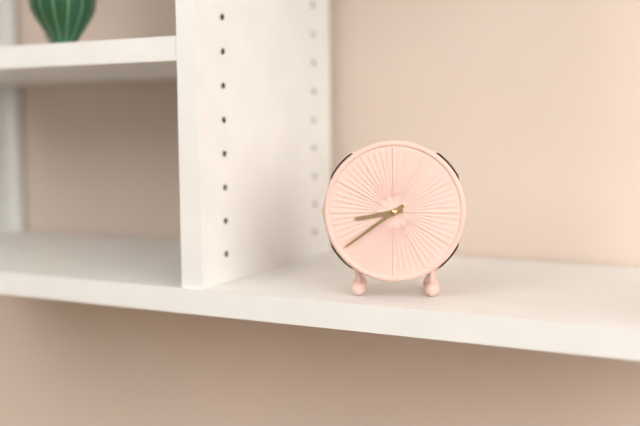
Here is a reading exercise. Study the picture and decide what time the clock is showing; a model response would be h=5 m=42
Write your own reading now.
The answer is h=8 m=39
